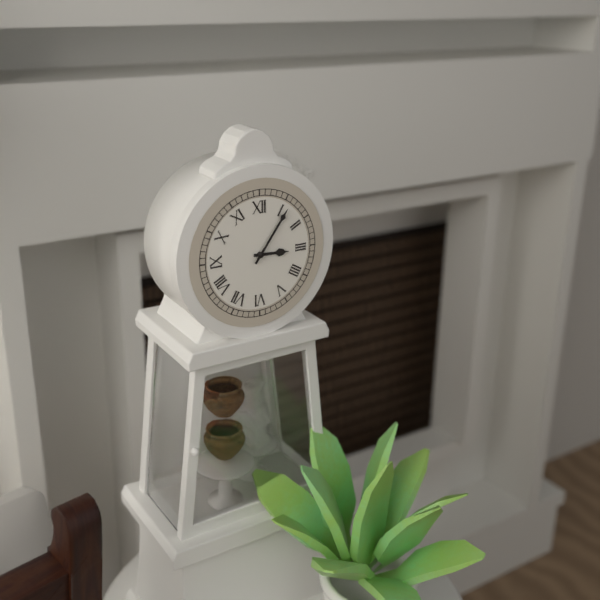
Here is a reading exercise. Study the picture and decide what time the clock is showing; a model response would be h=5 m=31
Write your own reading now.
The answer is h=3 m=6
